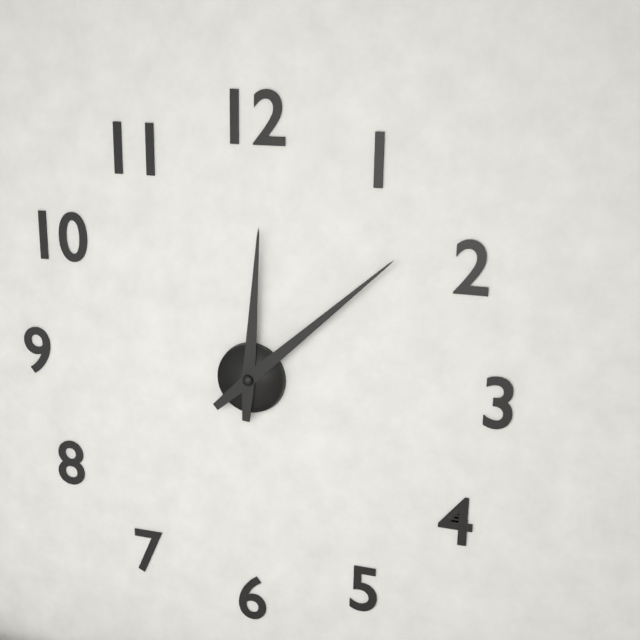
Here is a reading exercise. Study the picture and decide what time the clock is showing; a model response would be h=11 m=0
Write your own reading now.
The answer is h=12 m=8
